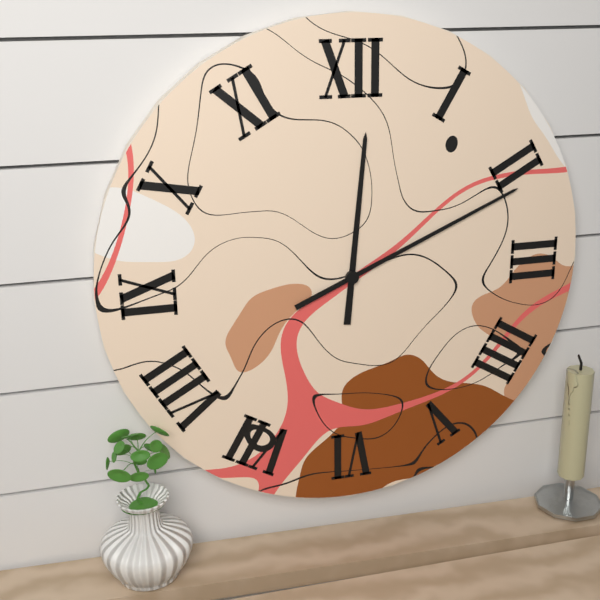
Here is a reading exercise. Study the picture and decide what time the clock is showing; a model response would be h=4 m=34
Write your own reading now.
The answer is h=12 m=11
